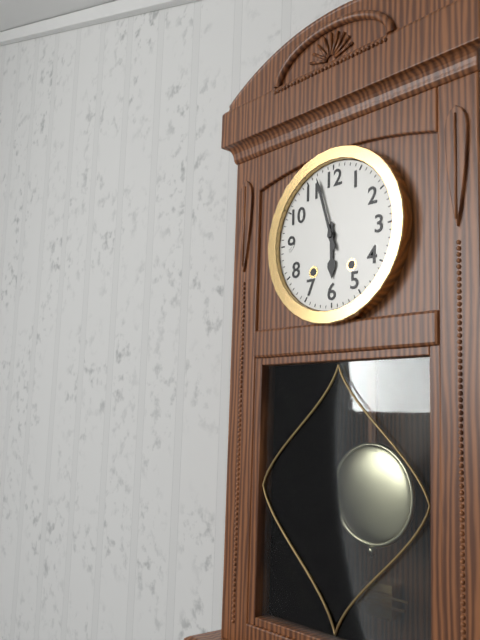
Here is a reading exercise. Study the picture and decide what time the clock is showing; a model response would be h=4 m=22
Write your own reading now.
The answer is h=5 m=57
